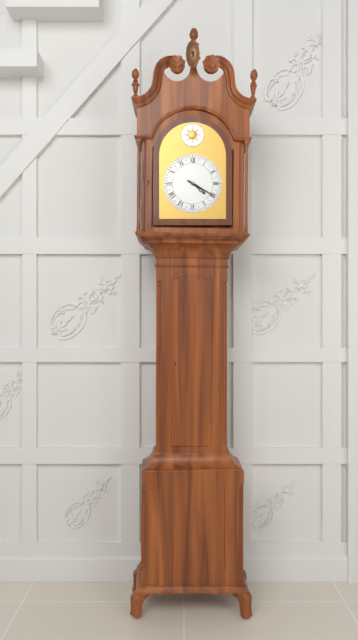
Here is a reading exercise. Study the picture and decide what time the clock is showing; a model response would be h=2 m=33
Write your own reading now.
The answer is h=4 m=20
